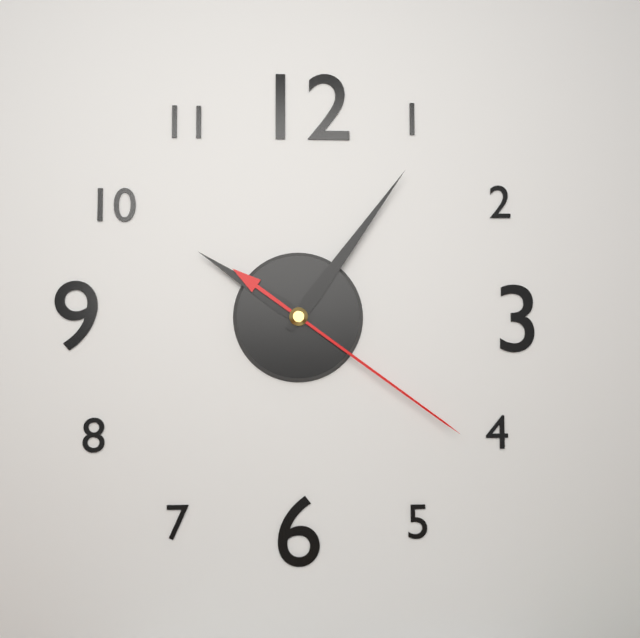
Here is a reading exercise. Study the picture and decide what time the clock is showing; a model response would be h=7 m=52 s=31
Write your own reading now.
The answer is h=10 m=6 s=21
